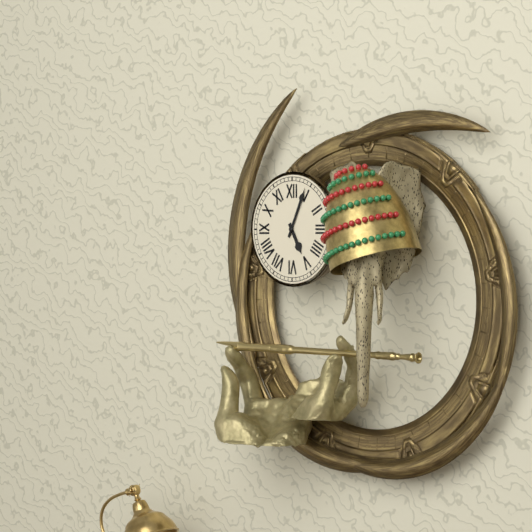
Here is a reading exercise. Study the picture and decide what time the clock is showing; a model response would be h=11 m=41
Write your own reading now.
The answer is h=5 m=4
